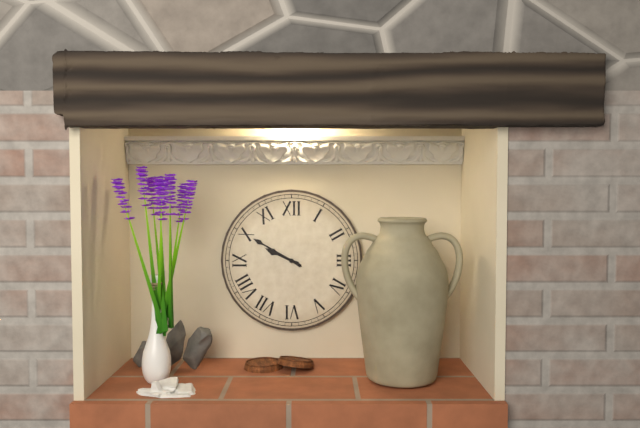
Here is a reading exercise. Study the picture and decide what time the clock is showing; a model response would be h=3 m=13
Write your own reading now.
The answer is h=9 m=50
